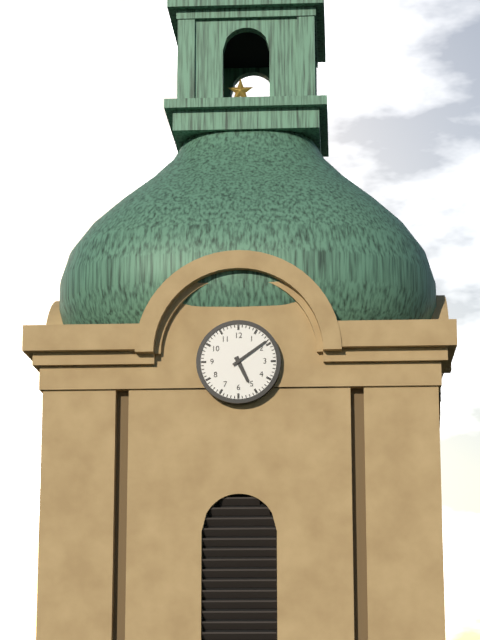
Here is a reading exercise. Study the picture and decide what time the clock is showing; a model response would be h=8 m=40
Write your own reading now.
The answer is h=5 m=9
